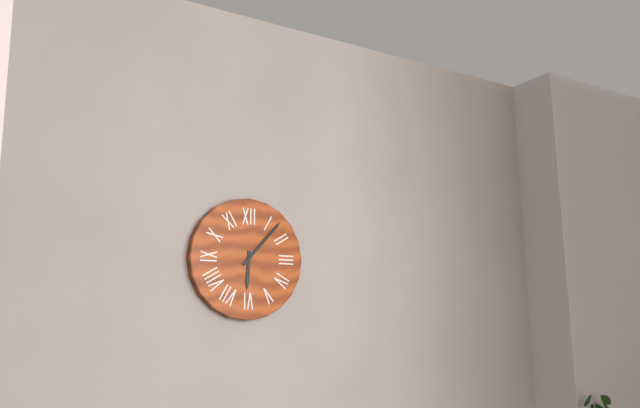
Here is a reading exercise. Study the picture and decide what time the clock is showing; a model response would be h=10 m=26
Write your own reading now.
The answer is h=6 m=7
